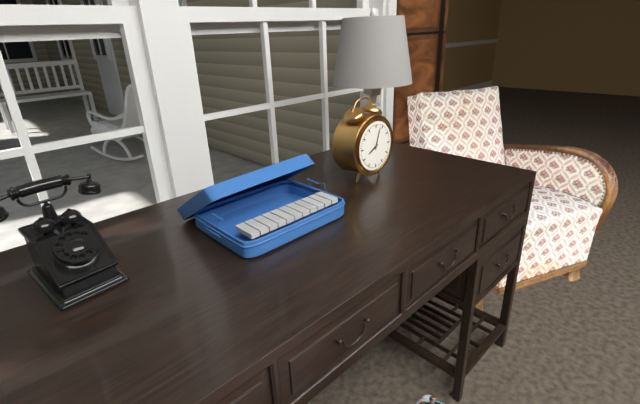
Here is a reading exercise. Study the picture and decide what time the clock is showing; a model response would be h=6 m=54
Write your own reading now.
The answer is h=8 m=3
